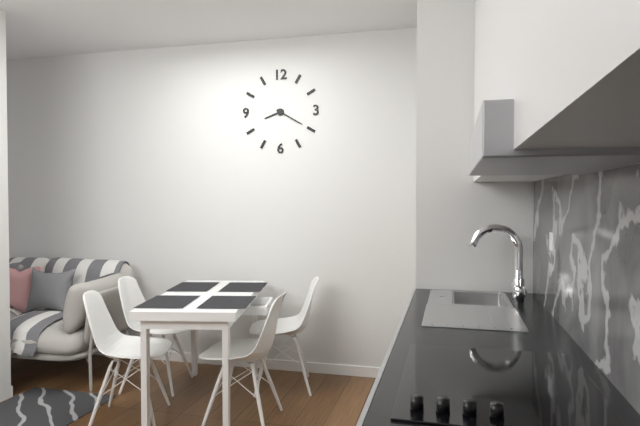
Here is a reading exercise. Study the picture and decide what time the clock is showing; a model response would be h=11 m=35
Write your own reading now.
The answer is h=8 m=20
